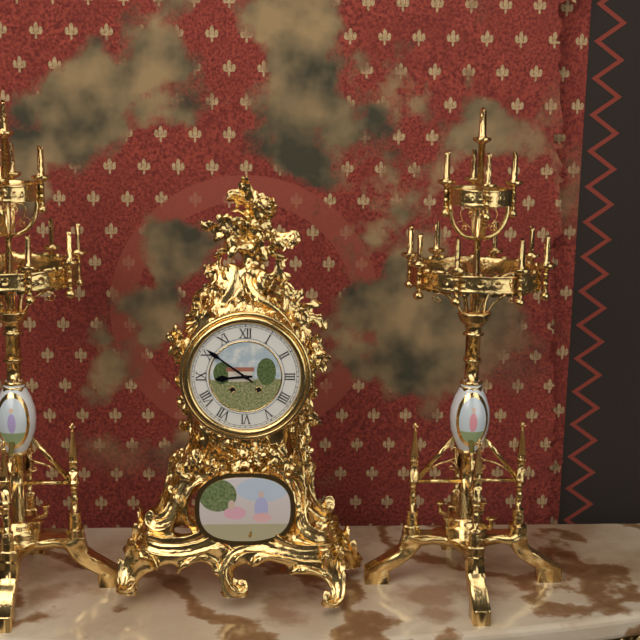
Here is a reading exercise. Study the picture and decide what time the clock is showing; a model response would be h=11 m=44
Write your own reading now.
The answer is h=8 m=51
